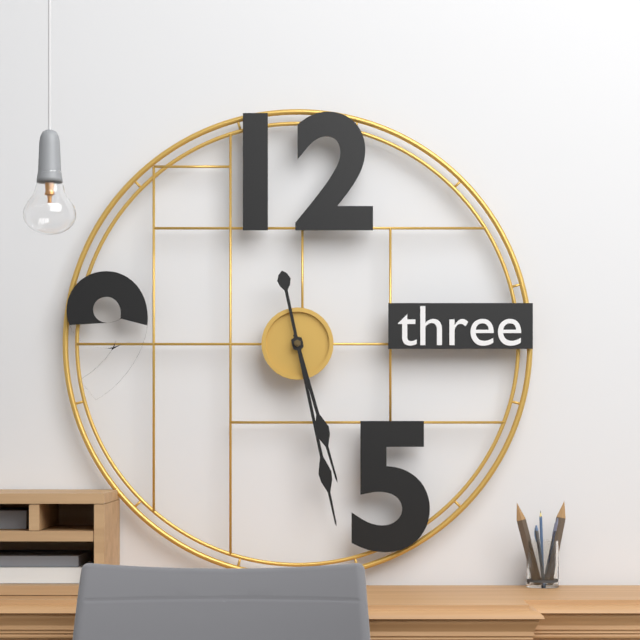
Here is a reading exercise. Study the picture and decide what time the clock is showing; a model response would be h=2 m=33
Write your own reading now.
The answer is h=5 m=28
